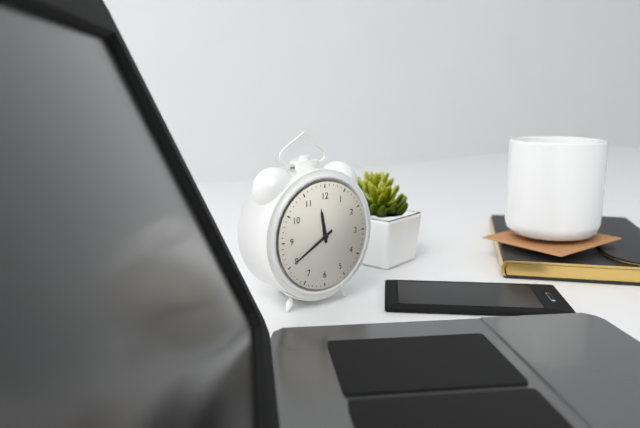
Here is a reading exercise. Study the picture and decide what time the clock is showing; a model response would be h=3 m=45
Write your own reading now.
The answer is h=11 m=40
